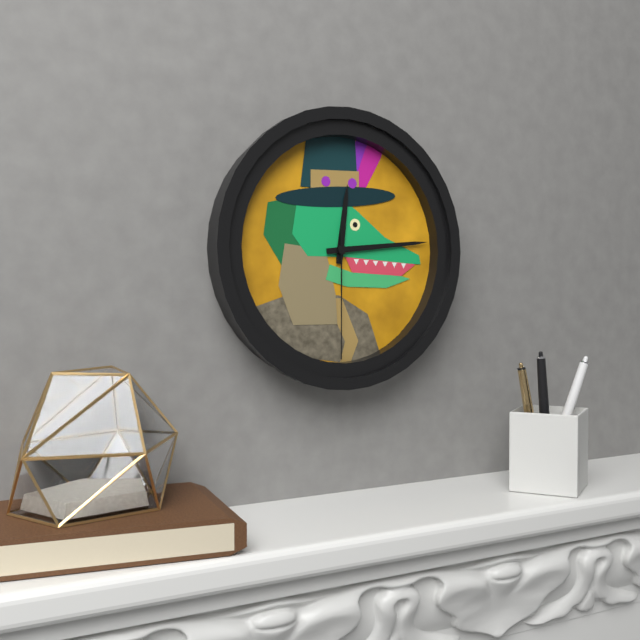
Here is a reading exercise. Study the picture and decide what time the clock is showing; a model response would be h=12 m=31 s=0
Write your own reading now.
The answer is h=12 m=14 s=30
